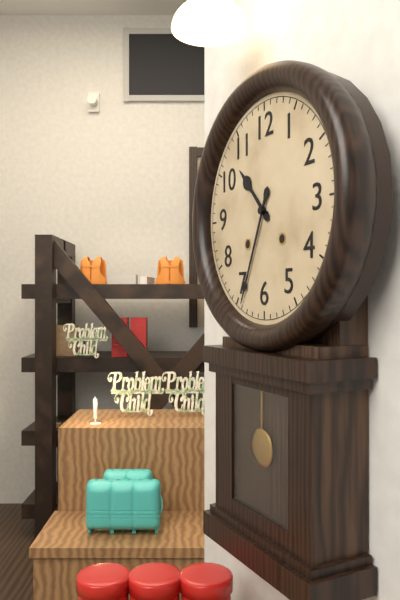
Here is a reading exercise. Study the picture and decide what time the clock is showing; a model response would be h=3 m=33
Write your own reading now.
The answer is h=10 m=34
